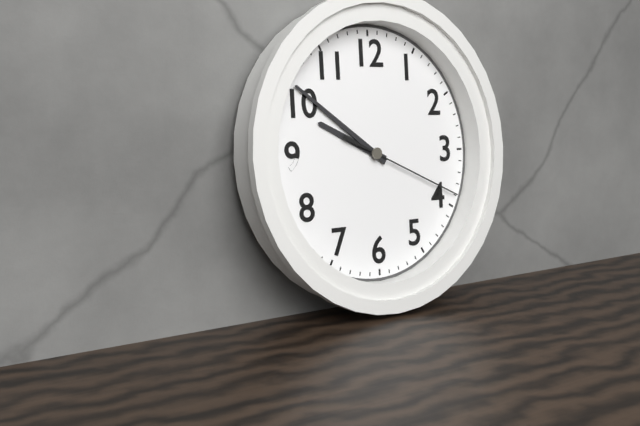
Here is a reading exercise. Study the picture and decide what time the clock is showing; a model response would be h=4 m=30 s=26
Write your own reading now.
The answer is h=9 m=51 s=19
